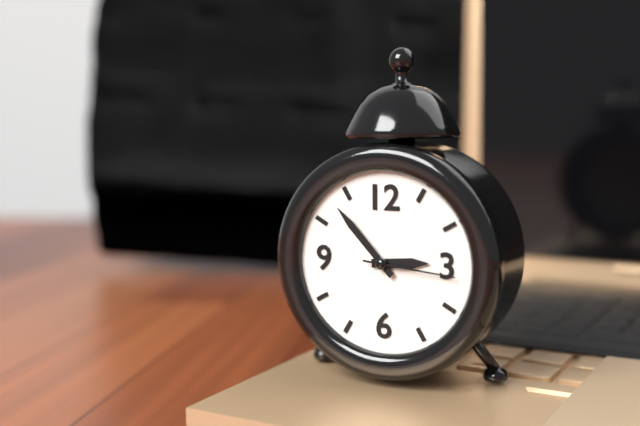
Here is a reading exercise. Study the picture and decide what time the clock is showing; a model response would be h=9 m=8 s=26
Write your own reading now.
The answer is h=2 m=53 s=16
